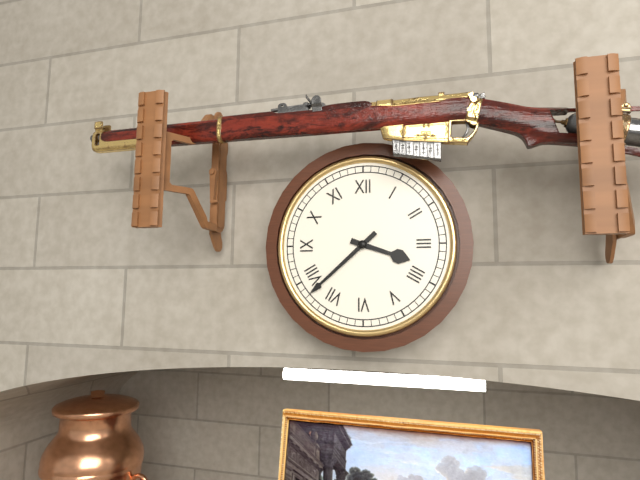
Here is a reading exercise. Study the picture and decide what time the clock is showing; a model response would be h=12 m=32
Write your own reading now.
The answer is h=3 m=38
